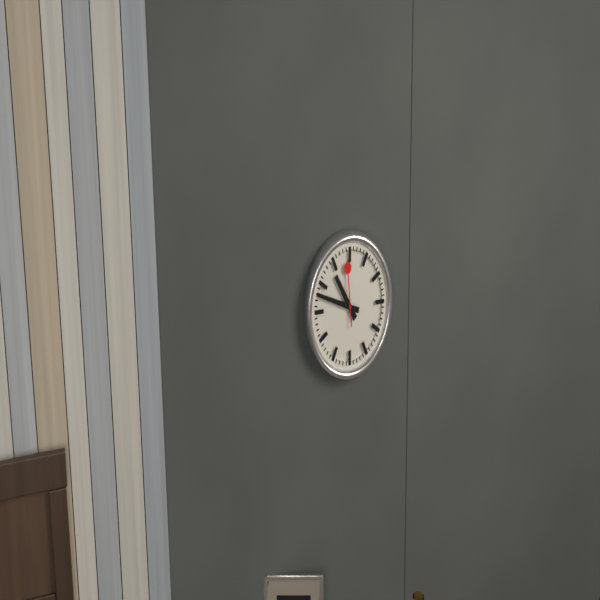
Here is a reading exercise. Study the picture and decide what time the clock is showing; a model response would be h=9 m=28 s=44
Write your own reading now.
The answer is h=10 m=48 s=59
